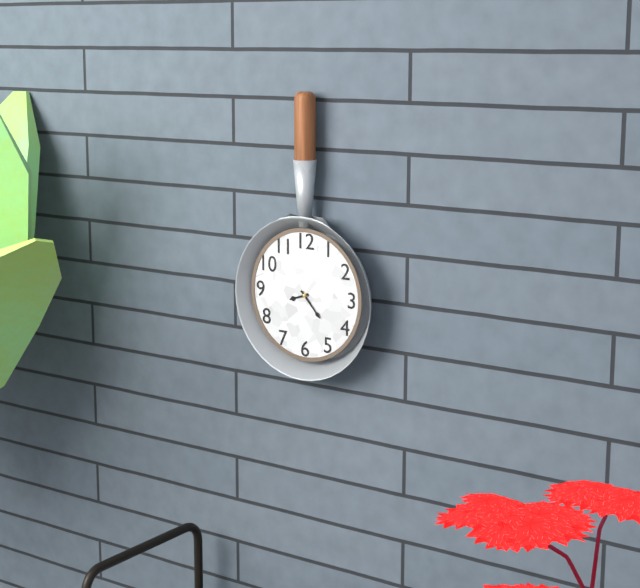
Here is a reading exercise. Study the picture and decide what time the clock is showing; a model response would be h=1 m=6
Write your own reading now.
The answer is h=8 m=23
